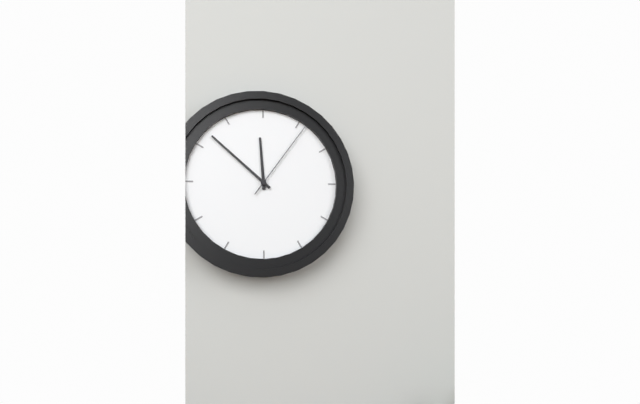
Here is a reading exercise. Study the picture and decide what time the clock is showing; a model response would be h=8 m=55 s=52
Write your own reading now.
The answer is h=11 m=52 s=6
